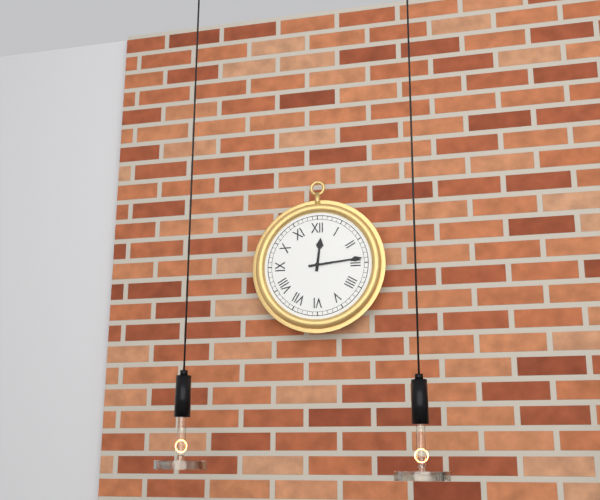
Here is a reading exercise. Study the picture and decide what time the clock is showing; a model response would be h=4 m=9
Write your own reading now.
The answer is h=12 m=14
